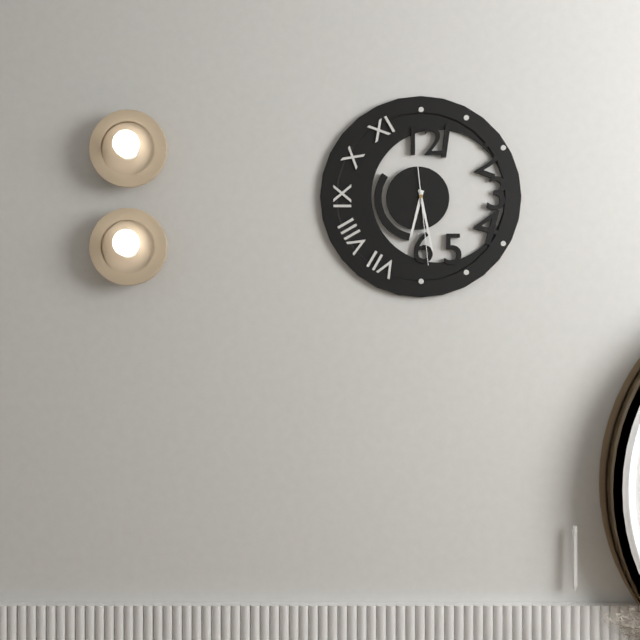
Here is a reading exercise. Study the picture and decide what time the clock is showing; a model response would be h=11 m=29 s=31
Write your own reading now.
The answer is h=6 m=28 s=29
